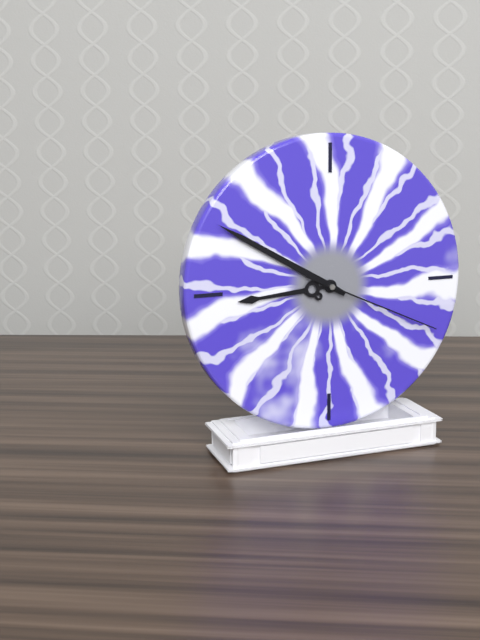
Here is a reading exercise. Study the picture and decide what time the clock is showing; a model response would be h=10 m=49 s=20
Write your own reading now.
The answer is h=8 m=50 s=19
